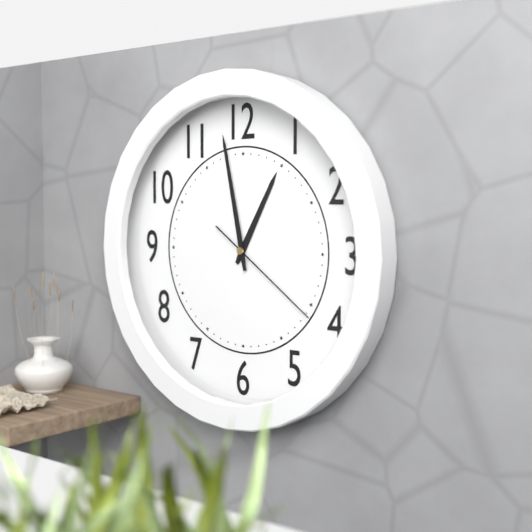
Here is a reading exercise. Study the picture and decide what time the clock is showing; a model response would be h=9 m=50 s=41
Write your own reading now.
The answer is h=12 m=58 s=21
